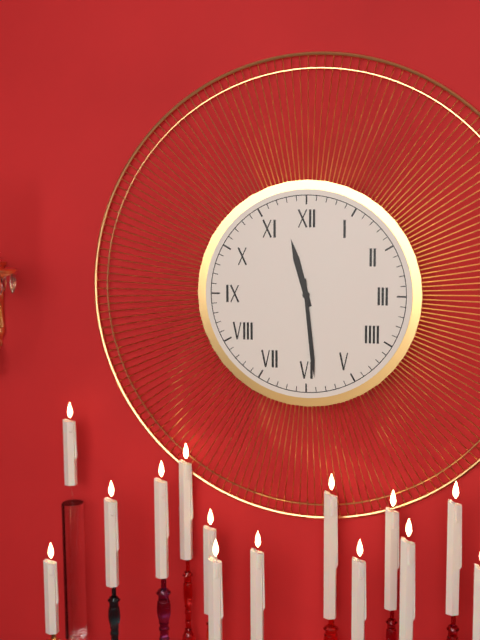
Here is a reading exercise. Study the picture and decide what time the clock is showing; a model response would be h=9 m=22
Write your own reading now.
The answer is h=11 m=29
